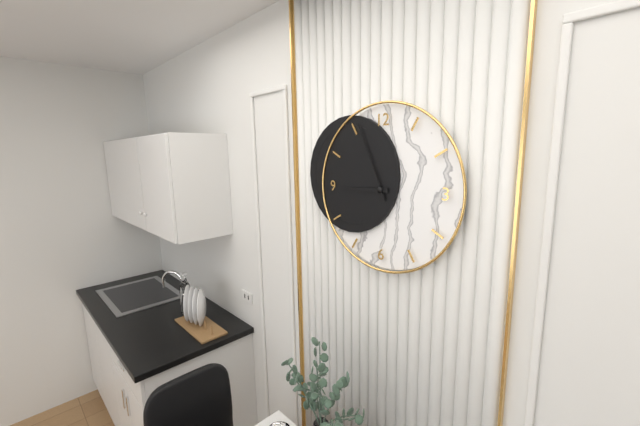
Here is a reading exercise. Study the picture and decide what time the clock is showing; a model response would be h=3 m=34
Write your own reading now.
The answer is h=8 m=56
